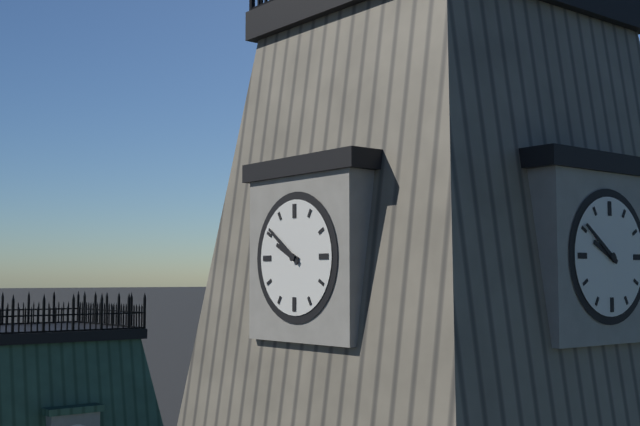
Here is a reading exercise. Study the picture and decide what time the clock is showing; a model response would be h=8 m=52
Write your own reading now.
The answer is h=9 m=51
